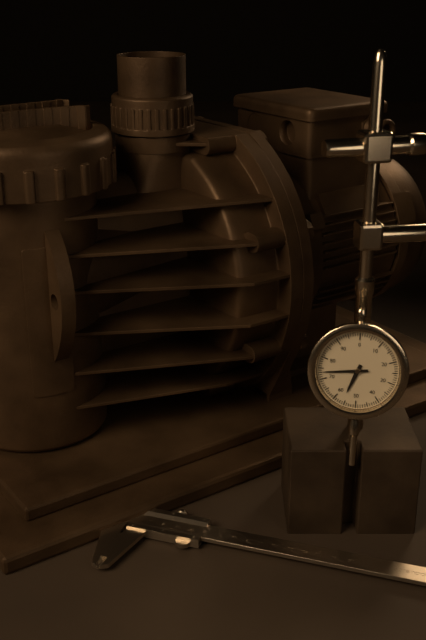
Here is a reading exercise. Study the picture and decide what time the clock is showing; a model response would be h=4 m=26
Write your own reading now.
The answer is h=6 m=44
